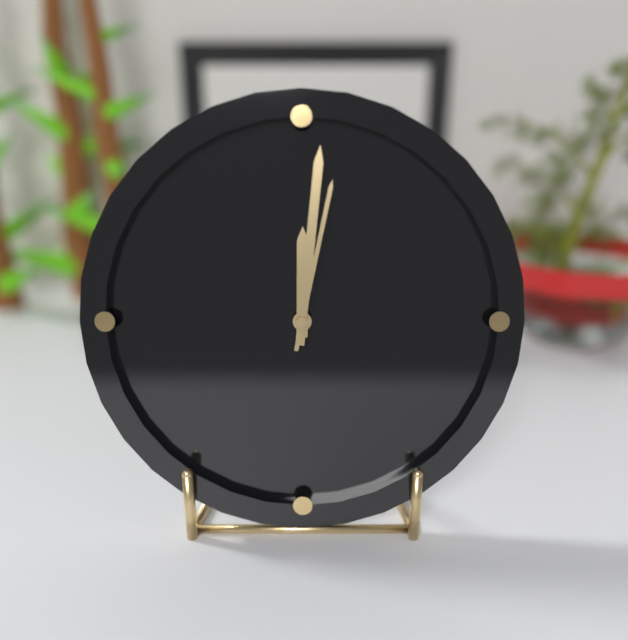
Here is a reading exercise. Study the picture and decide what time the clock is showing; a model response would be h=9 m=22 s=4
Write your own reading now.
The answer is h=12 m=1 s=2
